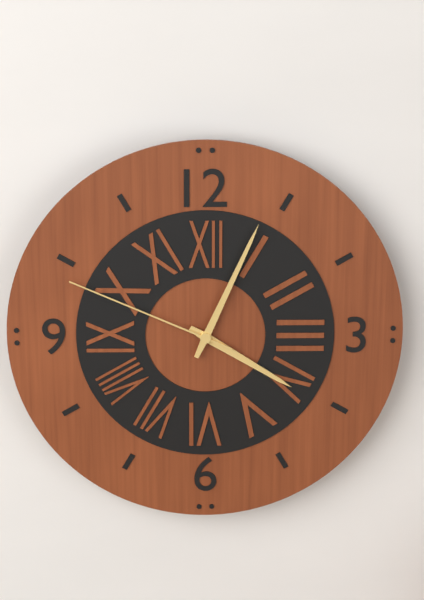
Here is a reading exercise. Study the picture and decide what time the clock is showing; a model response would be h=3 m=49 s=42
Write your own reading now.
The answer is h=4 m=4 s=49
